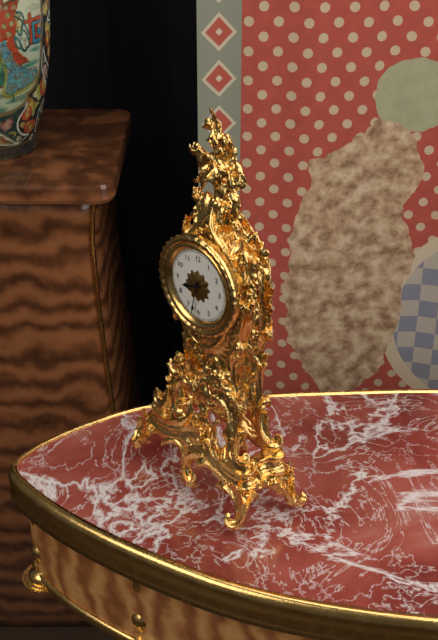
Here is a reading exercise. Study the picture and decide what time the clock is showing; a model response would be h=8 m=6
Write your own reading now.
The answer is h=8 m=32
